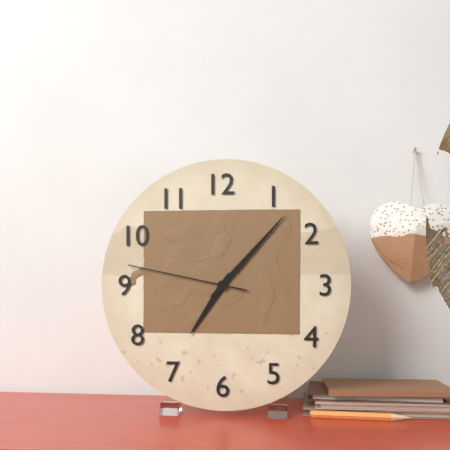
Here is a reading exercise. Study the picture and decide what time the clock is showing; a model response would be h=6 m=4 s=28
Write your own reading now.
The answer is h=7 m=7 s=47
